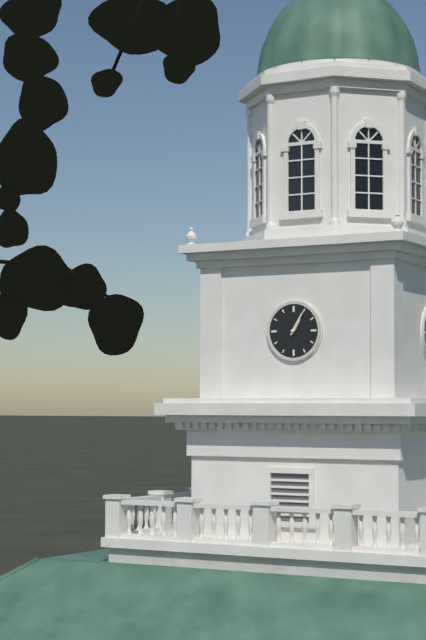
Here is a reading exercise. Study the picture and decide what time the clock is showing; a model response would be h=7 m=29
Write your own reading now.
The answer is h=1 m=5
